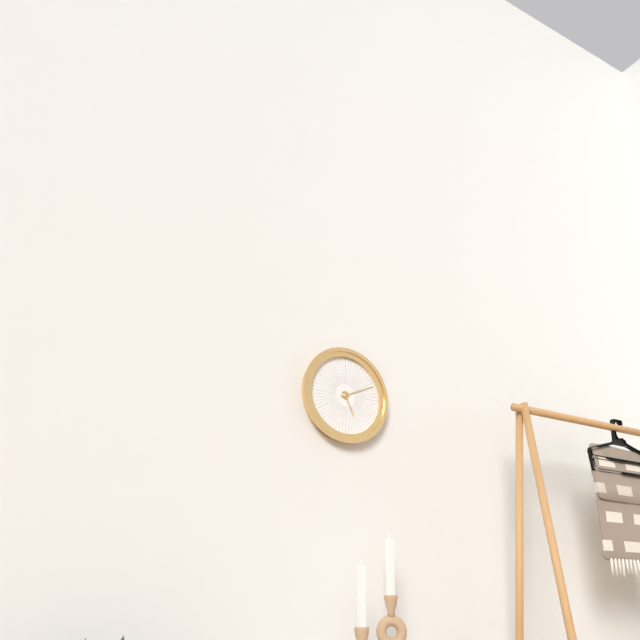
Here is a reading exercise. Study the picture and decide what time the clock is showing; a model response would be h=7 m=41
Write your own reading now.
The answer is h=5 m=11
